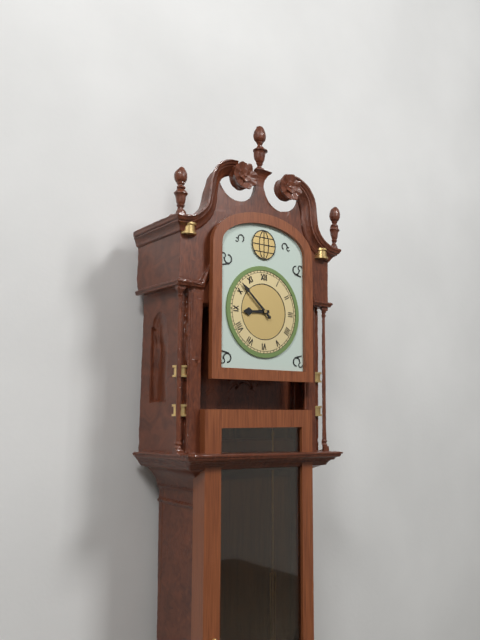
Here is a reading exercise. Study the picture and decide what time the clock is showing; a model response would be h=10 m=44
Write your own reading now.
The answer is h=8 m=52
